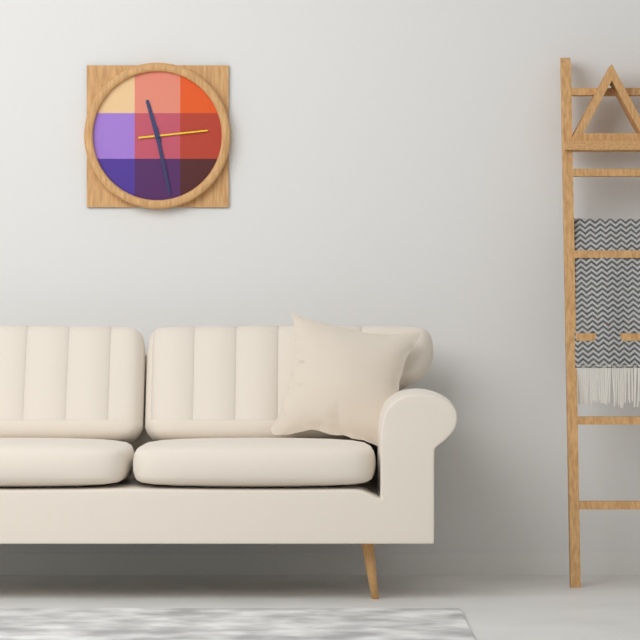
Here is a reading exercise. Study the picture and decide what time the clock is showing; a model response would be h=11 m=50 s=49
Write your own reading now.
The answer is h=11 m=28 s=14
